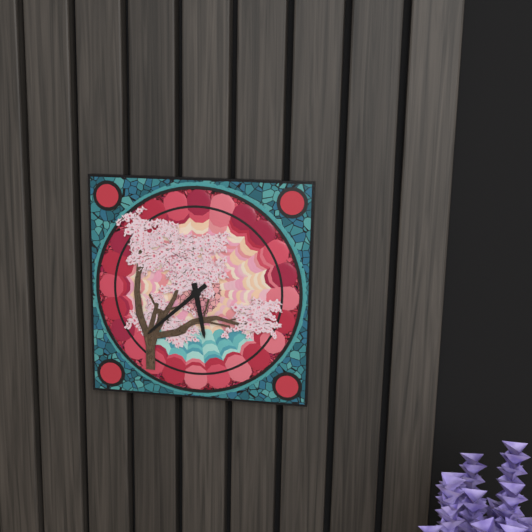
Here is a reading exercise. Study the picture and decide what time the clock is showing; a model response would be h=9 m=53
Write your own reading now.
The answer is h=5 m=38
